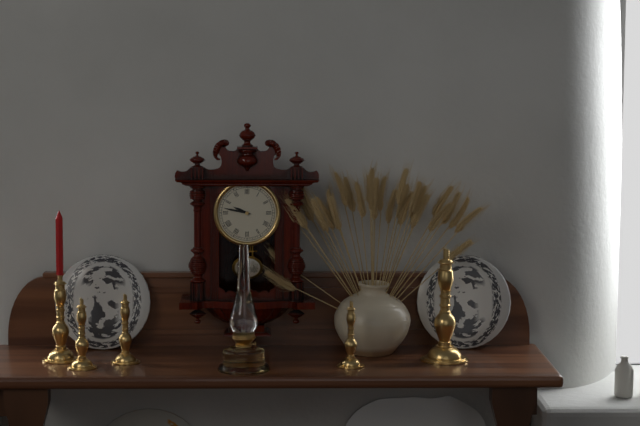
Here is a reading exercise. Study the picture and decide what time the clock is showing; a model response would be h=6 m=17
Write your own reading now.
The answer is h=9 m=47
